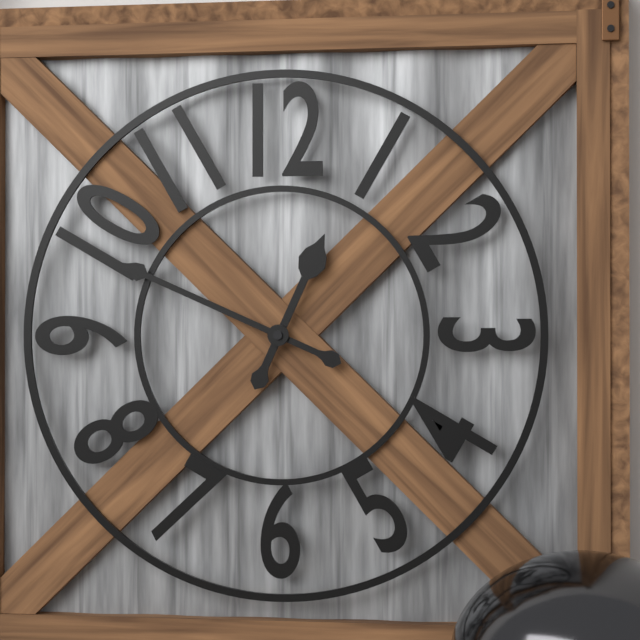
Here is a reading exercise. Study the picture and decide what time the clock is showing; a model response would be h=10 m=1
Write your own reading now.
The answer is h=12 m=49
